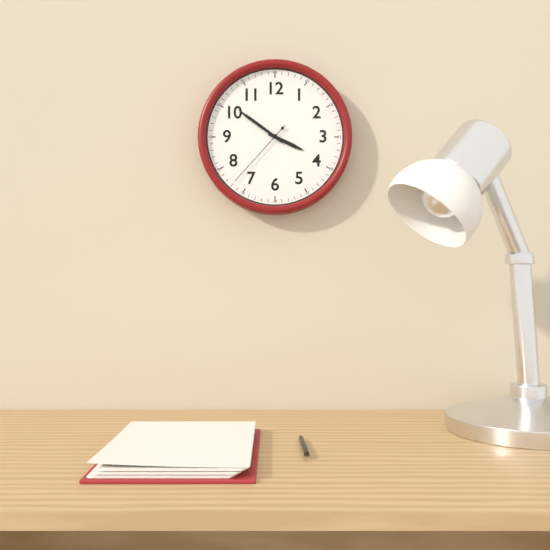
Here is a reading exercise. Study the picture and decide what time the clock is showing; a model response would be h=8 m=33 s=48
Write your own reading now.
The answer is h=3 m=51 s=37
